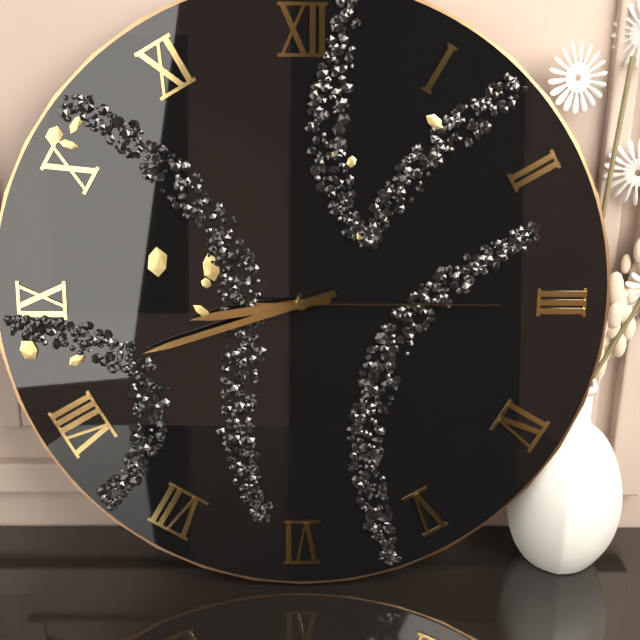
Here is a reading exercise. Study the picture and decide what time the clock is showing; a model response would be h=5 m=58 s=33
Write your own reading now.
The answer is h=8 m=42 s=15
